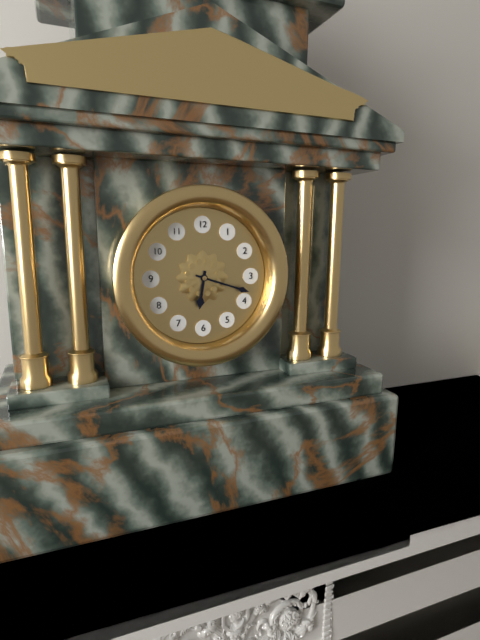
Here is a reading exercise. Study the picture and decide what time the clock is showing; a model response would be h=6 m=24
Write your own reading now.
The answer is h=6 m=18
